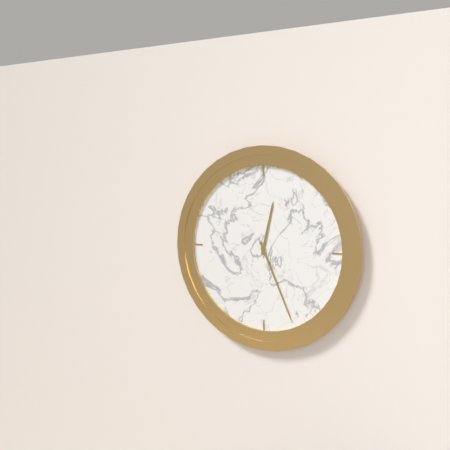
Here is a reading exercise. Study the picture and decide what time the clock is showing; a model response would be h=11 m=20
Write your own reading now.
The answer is h=12 m=26
